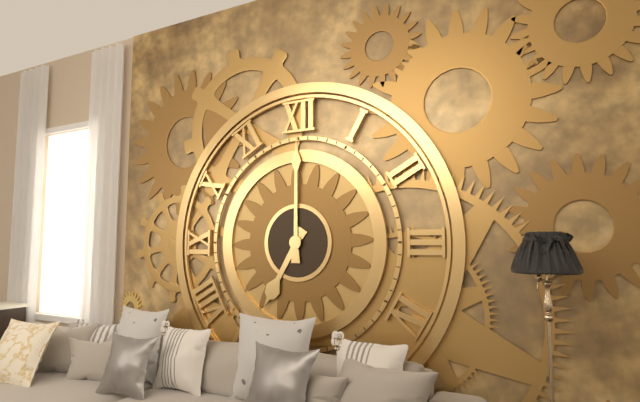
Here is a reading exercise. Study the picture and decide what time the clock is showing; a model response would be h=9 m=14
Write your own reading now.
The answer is h=7 m=0
